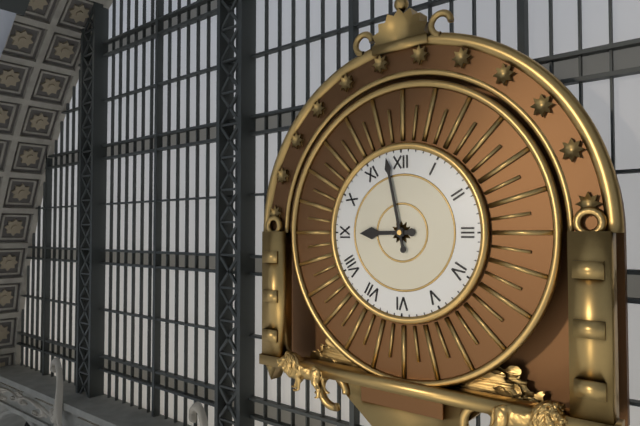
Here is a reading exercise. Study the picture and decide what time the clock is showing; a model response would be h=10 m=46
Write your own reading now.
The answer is h=8 m=58
